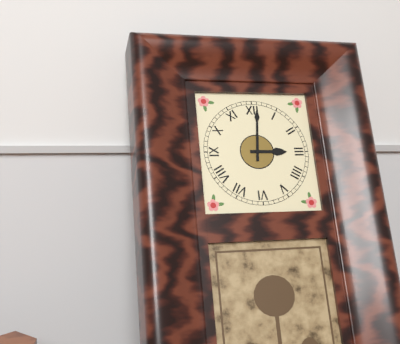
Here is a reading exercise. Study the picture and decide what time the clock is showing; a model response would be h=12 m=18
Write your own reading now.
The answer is h=3 m=1
